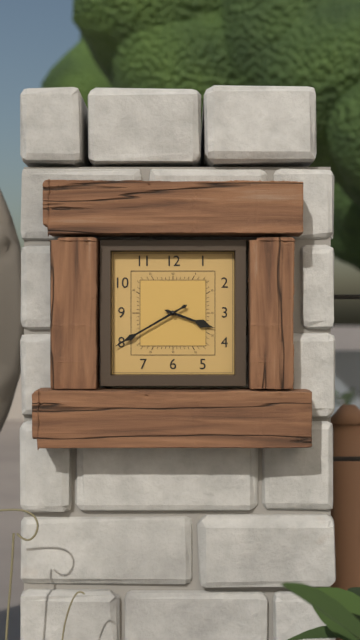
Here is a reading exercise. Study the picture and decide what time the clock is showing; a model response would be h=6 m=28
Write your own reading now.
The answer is h=3 m=40
